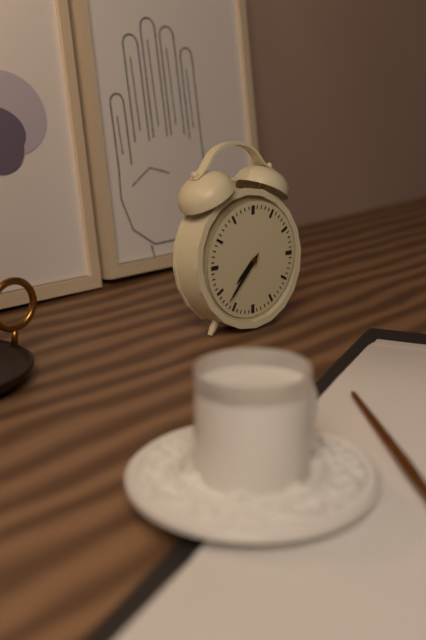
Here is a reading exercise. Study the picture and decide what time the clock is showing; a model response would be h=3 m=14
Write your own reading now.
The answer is h=7 m=37
